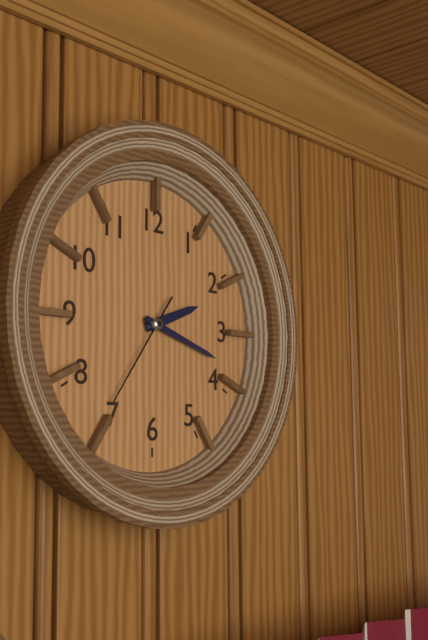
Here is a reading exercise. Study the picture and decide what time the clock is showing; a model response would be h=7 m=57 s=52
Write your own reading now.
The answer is h=2 m=18 s=36
